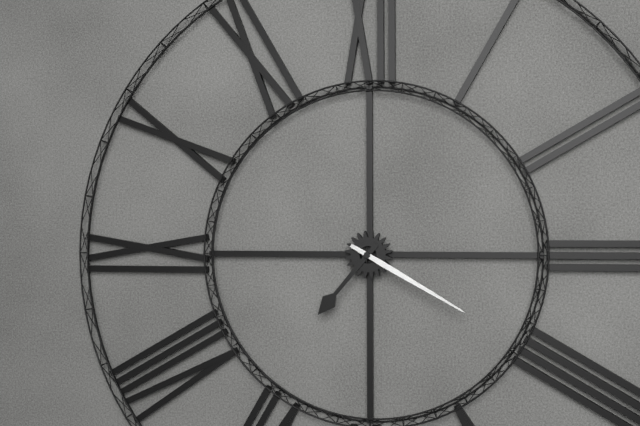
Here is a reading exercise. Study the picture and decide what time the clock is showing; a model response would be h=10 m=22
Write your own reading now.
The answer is h=7 m=20
